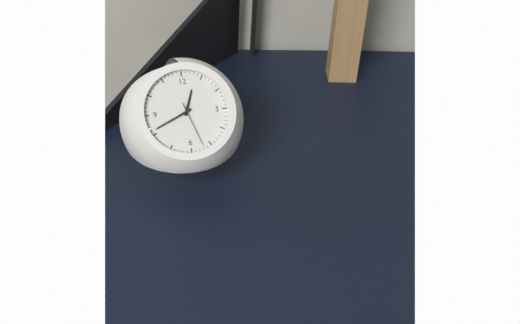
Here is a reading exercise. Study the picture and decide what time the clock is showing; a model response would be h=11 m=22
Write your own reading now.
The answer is h=12 m=41
